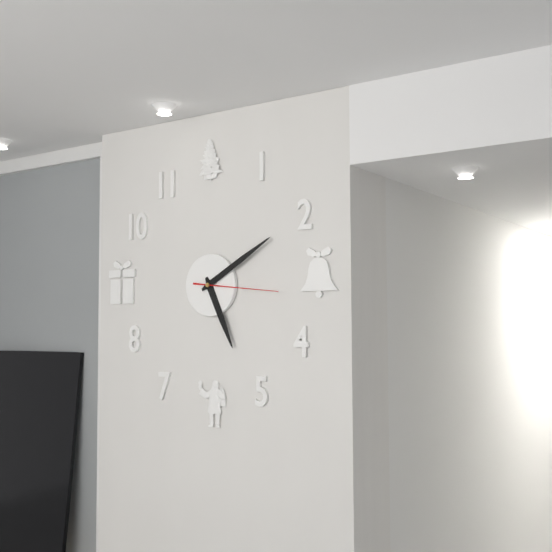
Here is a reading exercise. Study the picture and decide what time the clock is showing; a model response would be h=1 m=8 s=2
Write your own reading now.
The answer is h=5 m=10 s=16
